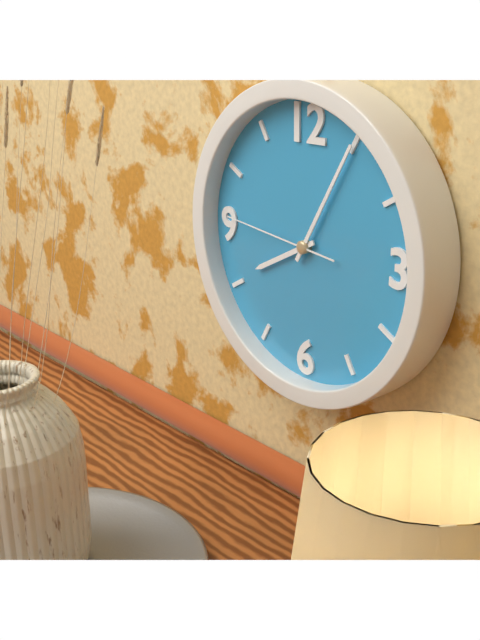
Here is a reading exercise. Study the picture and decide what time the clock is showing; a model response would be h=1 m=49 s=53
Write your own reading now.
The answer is h=8 m=5 s=46
